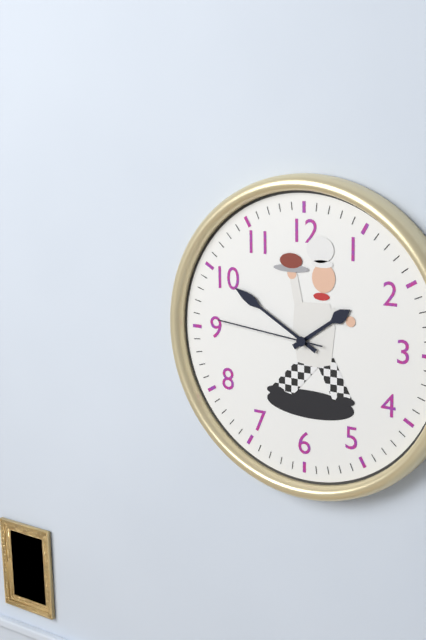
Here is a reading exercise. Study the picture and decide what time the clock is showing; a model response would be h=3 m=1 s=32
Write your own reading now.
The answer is h=1 m=50 s=46
